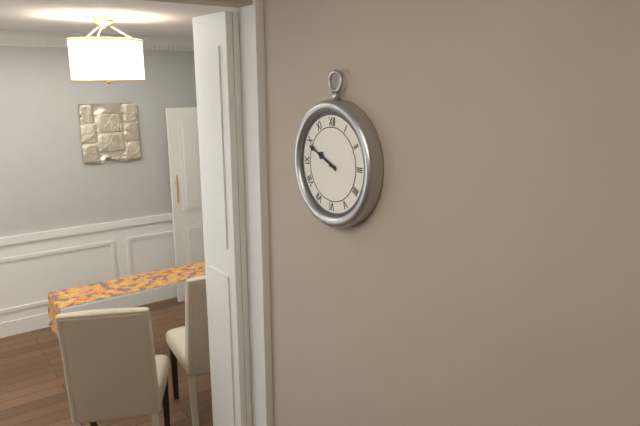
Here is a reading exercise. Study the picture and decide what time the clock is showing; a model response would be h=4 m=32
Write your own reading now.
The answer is h=9 m=49
